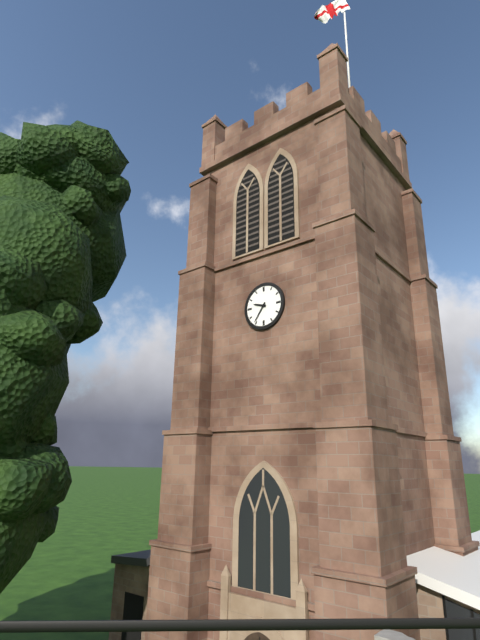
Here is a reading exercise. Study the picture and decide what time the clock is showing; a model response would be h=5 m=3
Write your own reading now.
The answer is h=9 m=36
